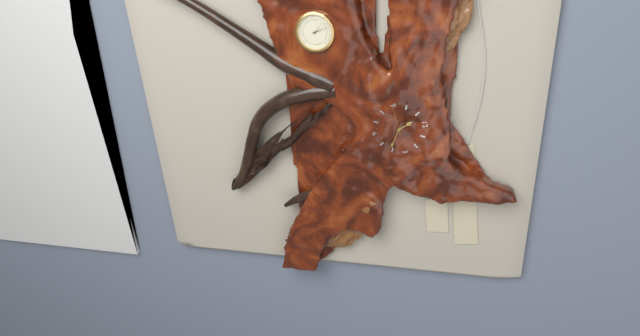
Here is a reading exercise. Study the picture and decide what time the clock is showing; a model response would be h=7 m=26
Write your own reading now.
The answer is h=11 m=21
